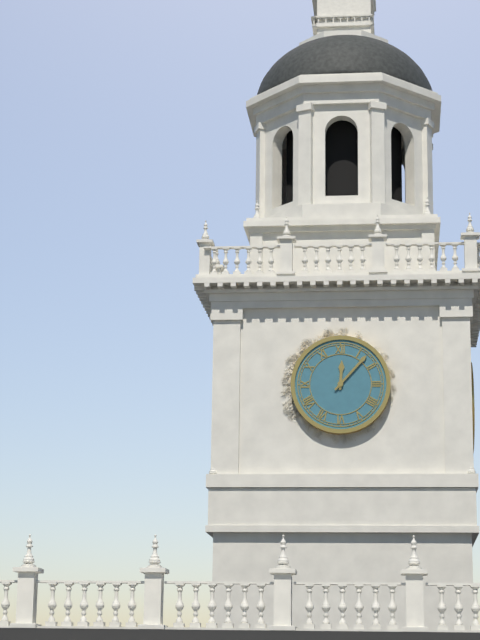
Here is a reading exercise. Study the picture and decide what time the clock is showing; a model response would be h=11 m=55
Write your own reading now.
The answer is h=12 m=7
